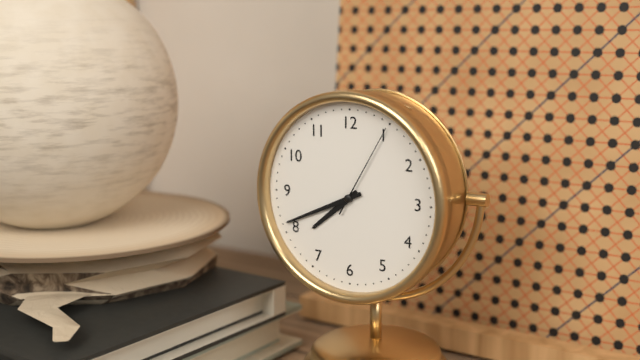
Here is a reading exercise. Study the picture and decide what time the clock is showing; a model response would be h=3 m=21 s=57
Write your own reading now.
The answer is h=7 m=41 s=5
